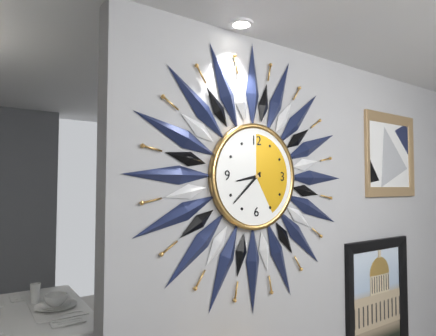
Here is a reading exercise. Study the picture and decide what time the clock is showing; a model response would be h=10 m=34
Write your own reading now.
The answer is h=8 m=38
